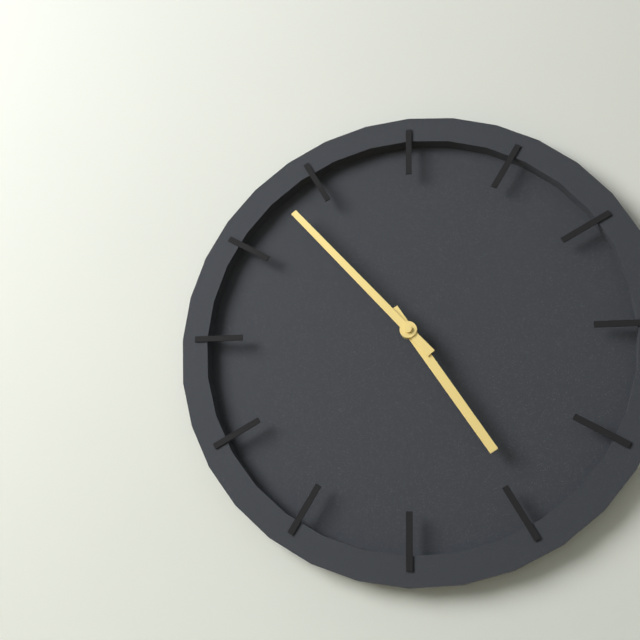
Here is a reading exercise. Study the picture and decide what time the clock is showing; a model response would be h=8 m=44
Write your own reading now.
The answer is h=4 m=53
